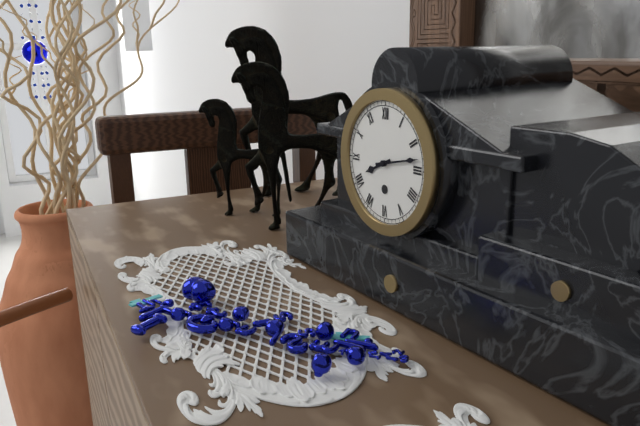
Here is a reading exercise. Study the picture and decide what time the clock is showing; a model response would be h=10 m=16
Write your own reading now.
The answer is h=8 m=13
